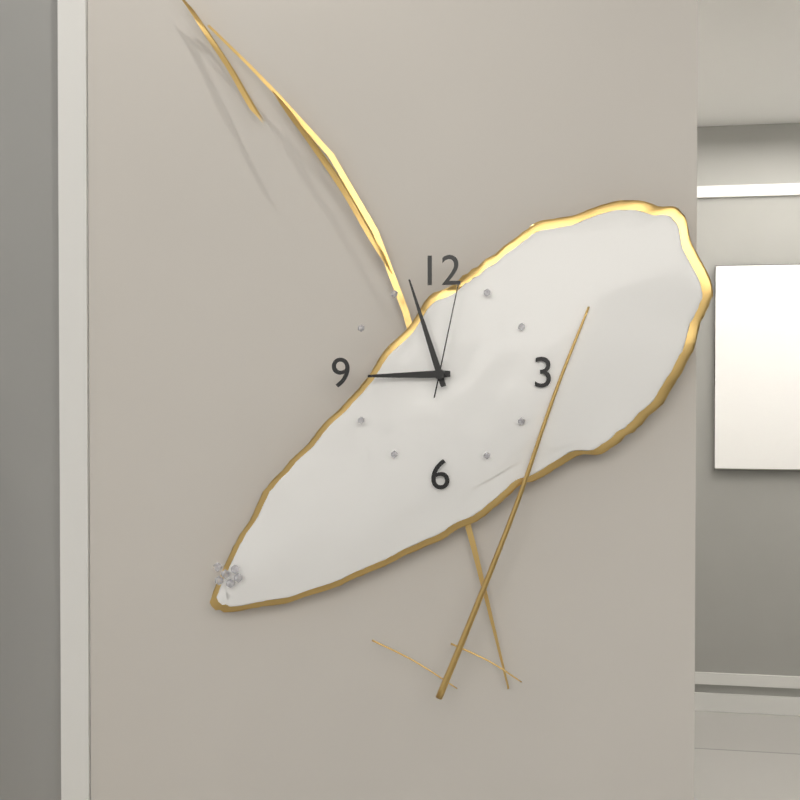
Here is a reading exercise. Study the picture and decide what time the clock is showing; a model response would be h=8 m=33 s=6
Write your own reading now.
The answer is h=8 m=57 s=2
